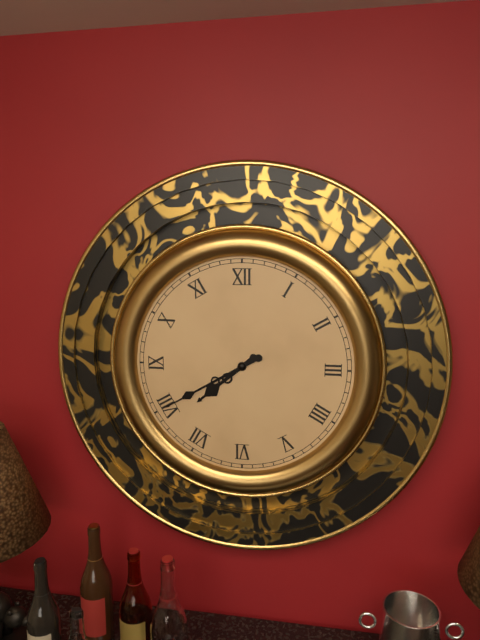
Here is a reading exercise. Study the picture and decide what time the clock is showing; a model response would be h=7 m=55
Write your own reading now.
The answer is h=7 m=40
